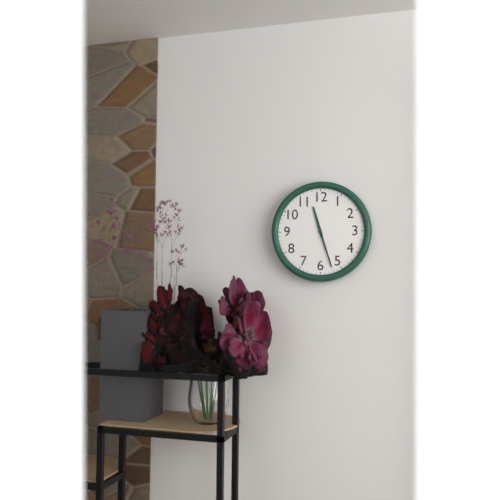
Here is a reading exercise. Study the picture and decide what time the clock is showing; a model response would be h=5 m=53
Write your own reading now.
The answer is h=11 m=27
